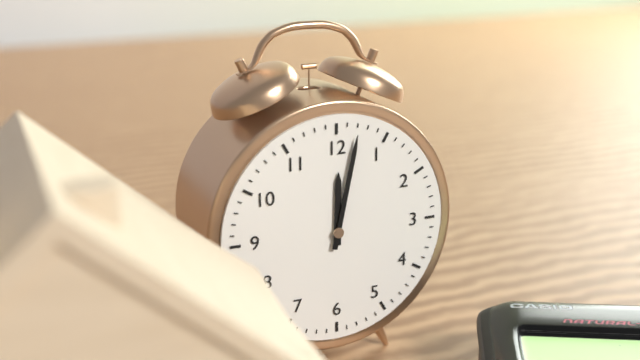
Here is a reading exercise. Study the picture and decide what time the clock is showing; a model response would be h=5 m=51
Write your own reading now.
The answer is h=12 m=2
